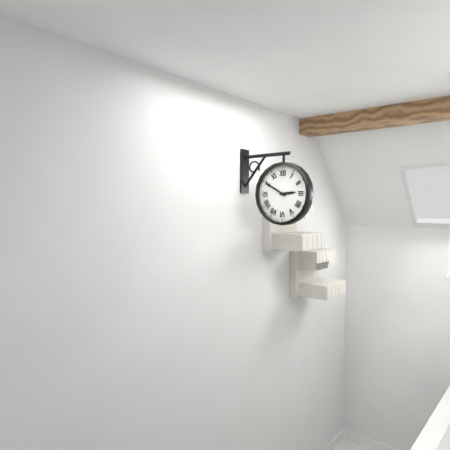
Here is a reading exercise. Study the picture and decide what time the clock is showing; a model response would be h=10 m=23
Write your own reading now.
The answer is h=2 m=50
